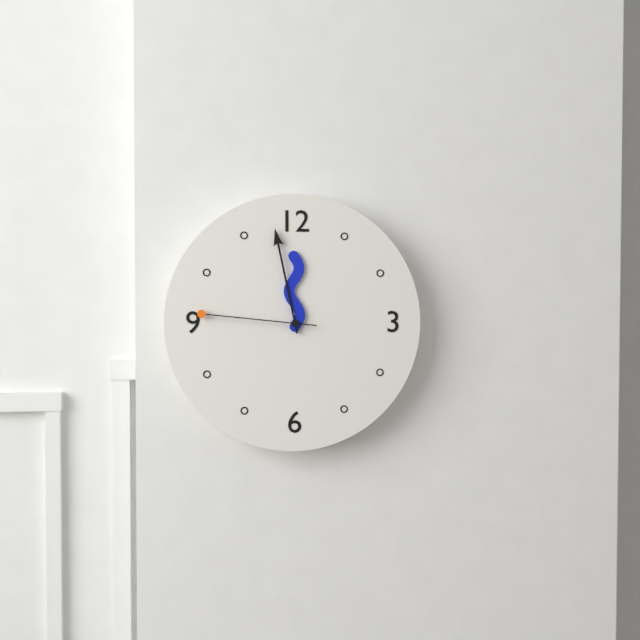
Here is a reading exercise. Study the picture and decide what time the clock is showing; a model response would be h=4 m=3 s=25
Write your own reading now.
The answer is h=11 m=58 s=46
